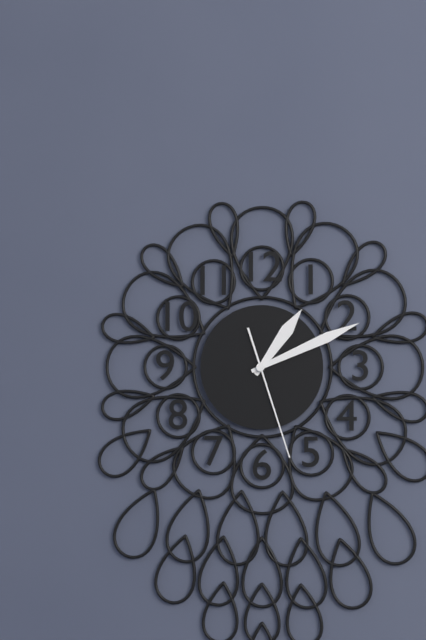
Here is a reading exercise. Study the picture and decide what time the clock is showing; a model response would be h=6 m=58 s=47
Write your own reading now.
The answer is h=1 m=11 s=27
